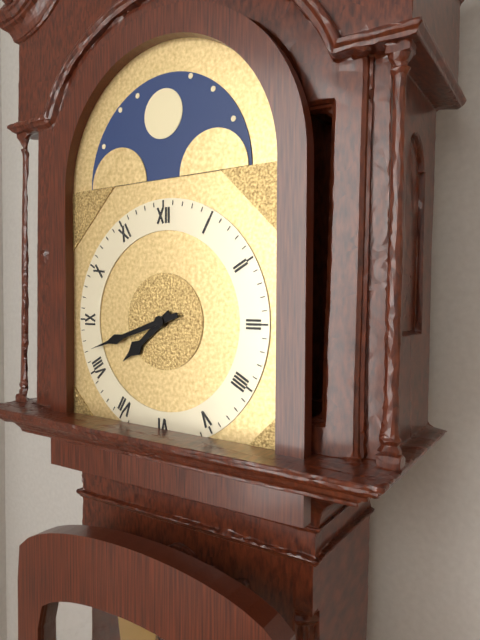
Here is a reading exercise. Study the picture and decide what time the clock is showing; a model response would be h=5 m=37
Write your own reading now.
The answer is h=7 m=42
